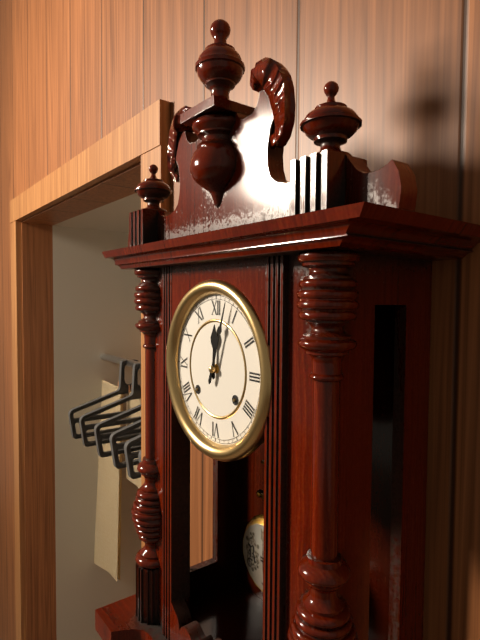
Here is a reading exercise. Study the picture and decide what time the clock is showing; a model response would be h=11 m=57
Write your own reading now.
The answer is h=12 m=3
